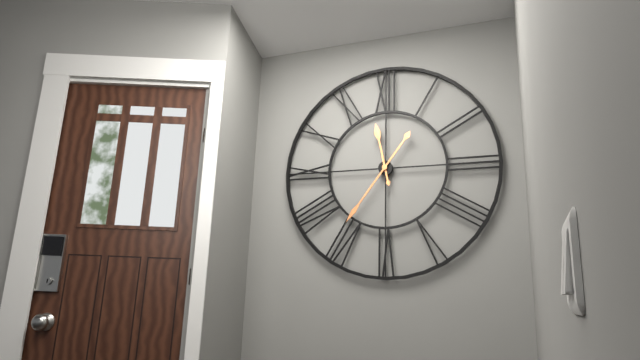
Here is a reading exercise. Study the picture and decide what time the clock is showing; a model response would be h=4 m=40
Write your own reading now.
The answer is h=11 m=36
